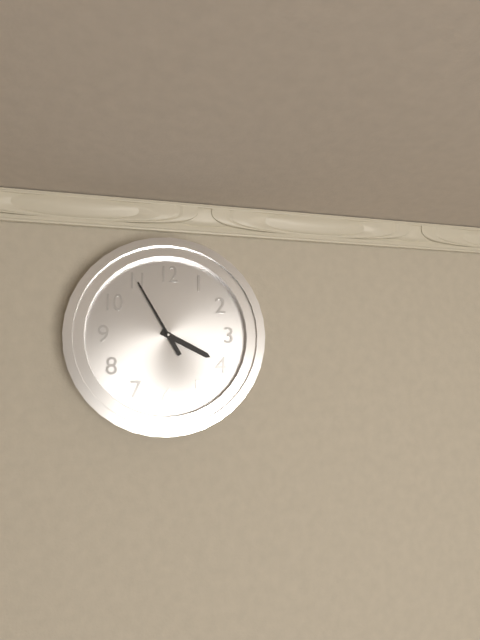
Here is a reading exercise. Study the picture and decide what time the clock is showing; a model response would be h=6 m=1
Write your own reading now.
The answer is h=3 m=55
